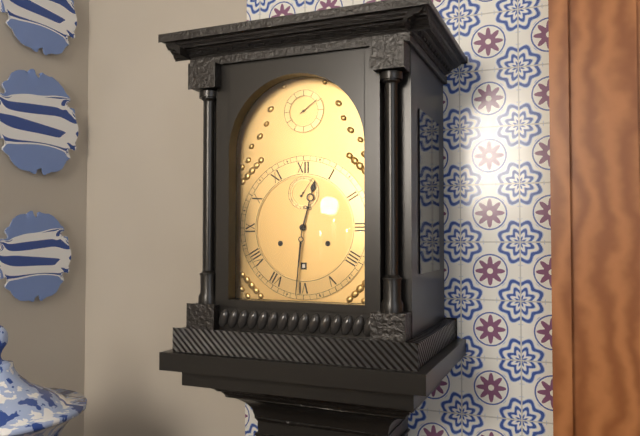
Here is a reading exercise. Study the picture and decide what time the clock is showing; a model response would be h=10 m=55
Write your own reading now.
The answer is h=12 m=31
